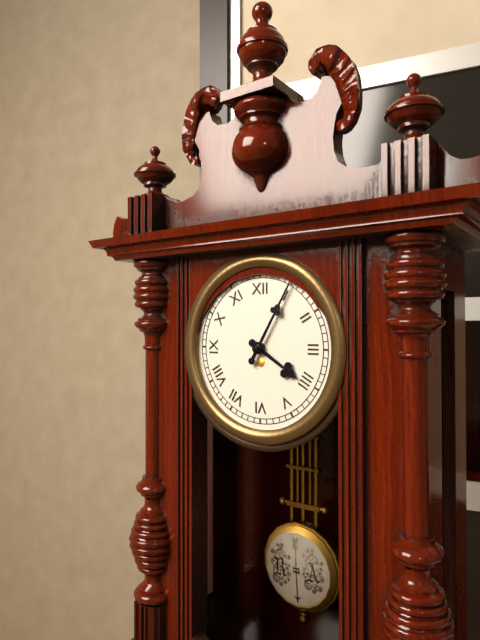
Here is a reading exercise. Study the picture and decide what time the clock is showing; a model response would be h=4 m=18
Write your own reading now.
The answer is h=4 m=5
